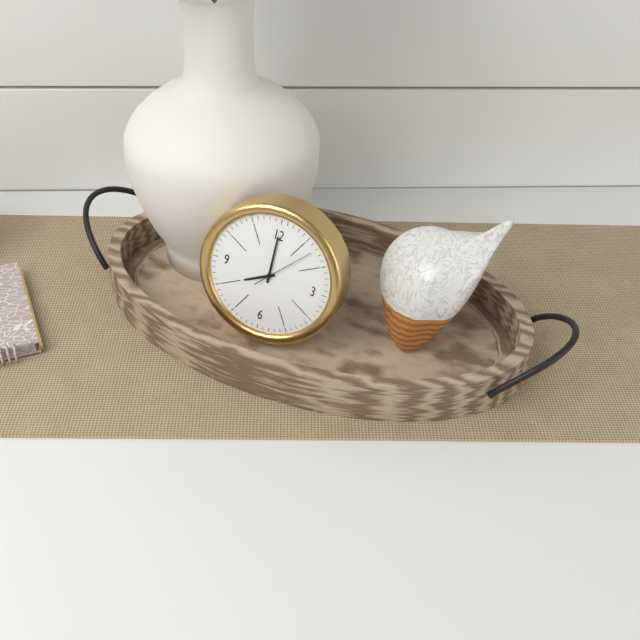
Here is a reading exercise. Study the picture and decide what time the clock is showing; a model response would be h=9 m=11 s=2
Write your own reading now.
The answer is h=8 m=0 s=7
